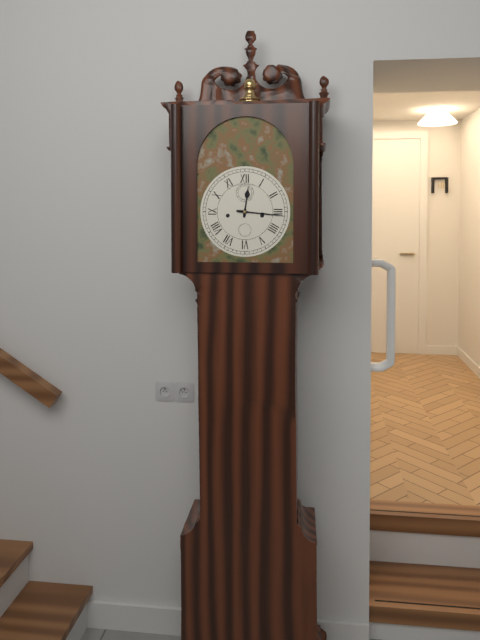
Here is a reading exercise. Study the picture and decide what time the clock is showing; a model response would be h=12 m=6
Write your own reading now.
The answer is h=12 m=16
